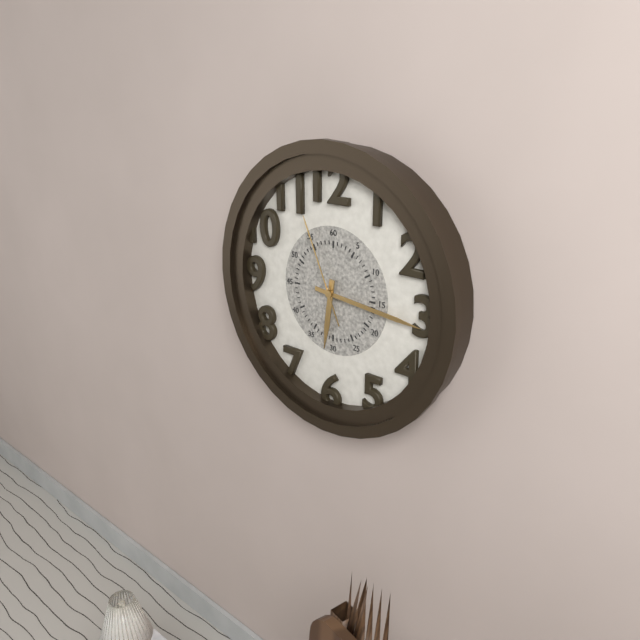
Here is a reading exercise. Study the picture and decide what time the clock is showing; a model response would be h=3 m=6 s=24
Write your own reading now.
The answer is h=6 m=16 s=56
